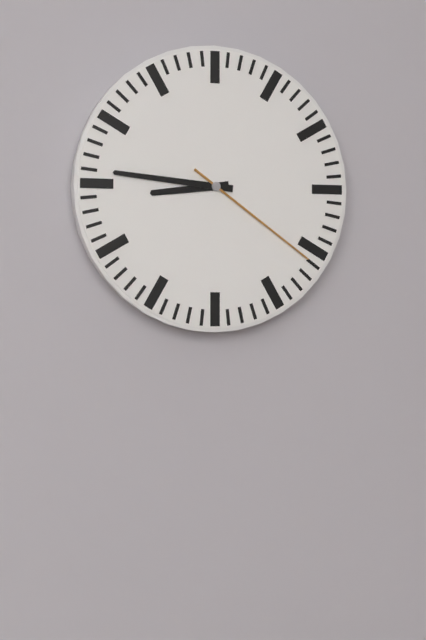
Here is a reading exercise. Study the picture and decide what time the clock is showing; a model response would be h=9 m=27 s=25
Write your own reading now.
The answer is h=8 m=46 s=21
